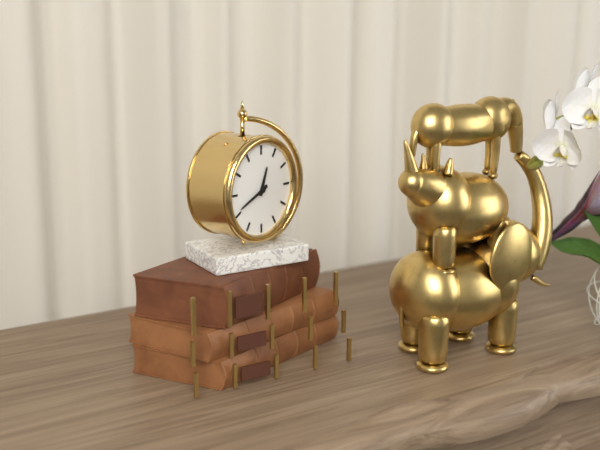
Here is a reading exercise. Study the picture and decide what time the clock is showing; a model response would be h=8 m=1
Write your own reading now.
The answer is h=12 m=41
